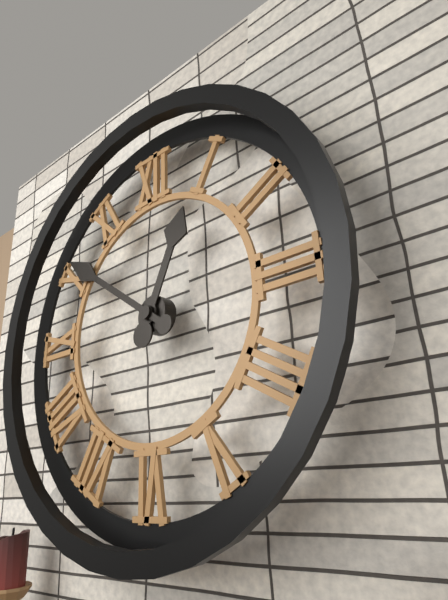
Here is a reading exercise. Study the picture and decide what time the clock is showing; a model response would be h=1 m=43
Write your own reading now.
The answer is h=12 m=51
